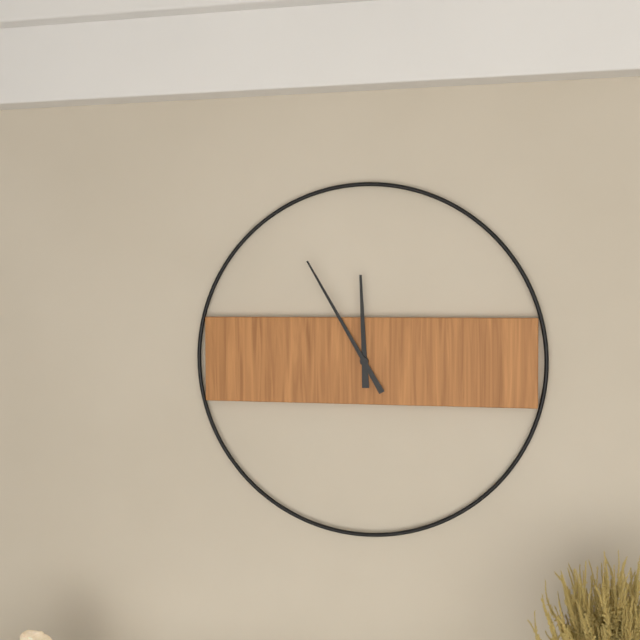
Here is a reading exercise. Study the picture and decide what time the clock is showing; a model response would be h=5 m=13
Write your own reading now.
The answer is h=11 m=55
